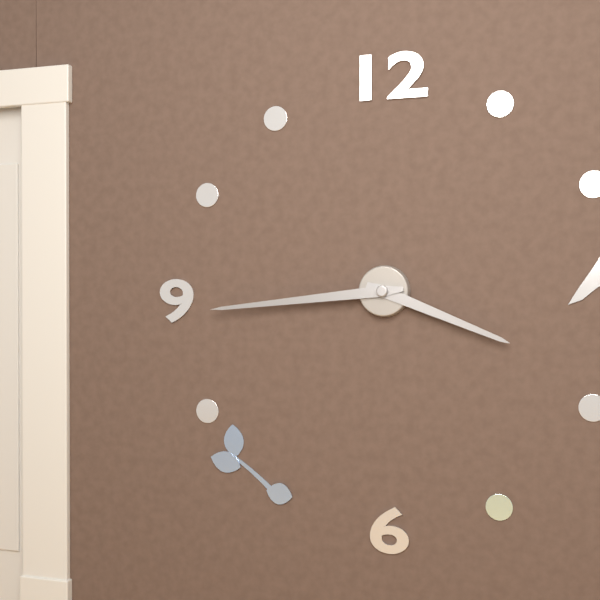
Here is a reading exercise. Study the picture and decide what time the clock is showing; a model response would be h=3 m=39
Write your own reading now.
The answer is h=3 m=44
